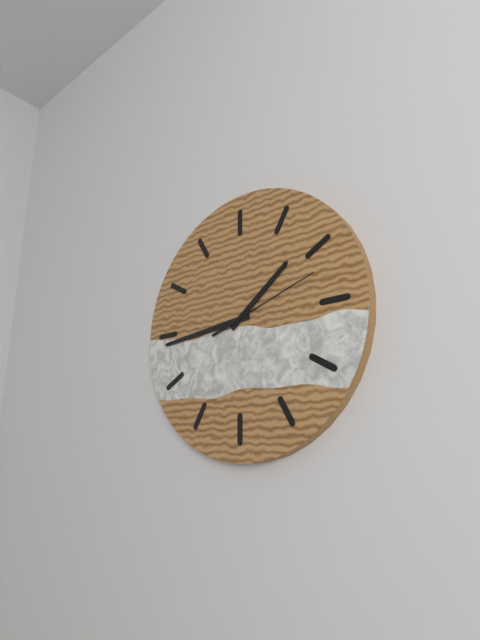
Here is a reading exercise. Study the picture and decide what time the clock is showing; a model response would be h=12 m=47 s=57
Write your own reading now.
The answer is h=1 m=44 s=12
